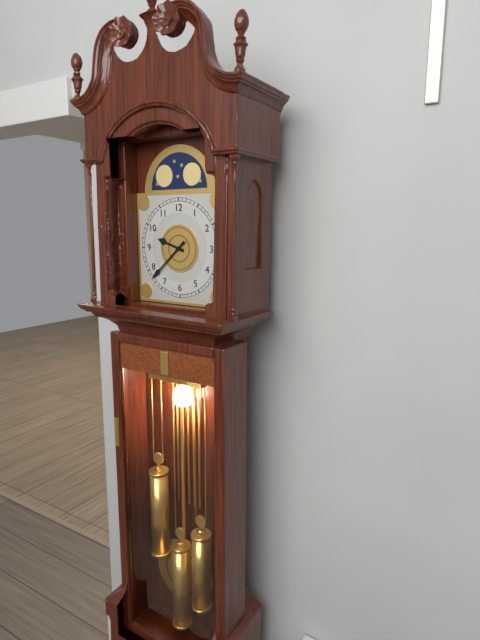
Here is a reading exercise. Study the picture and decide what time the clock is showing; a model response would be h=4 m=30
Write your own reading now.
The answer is h=9 m=38
